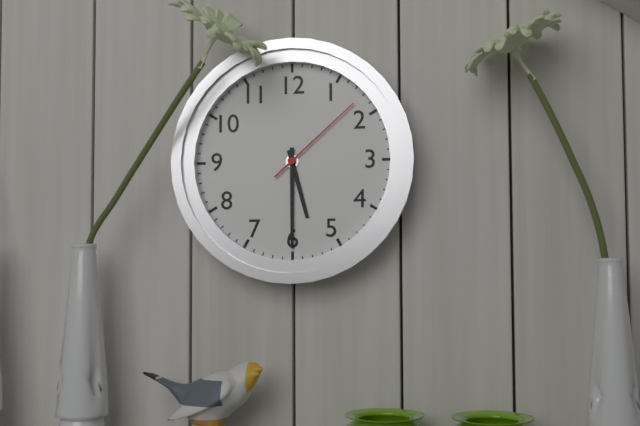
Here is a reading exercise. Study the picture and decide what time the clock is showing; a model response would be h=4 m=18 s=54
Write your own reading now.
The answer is h=5 m=30 s=8
